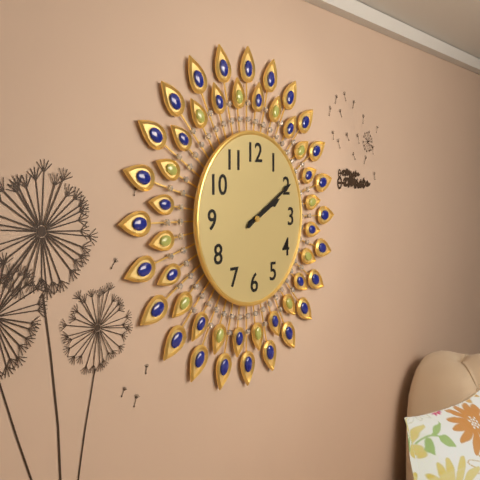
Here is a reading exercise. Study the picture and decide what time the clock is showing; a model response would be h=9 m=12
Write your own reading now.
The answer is h=2 m=10
